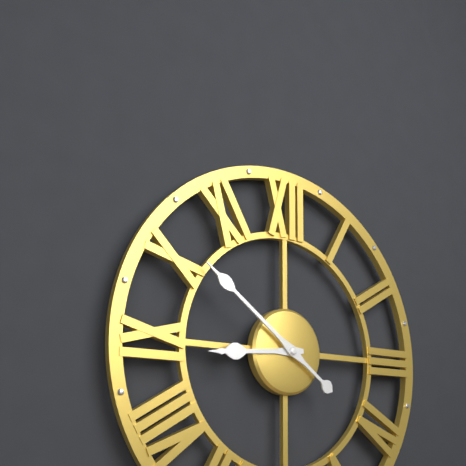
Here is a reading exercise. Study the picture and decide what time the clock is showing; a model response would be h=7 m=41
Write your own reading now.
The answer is h=8 m=51
